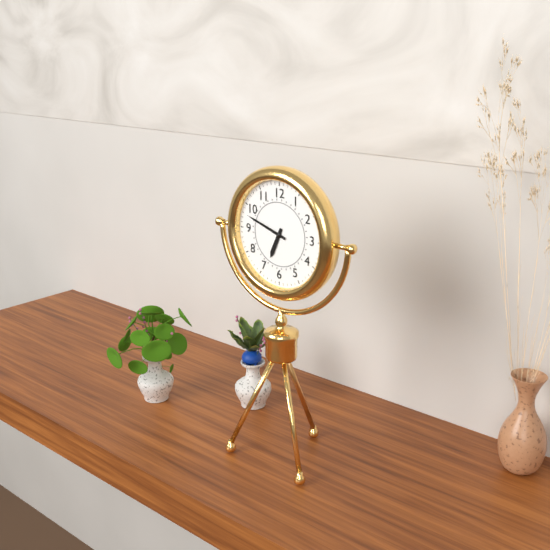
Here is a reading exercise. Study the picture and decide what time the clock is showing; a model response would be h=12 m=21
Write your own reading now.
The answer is h=6 m=48
